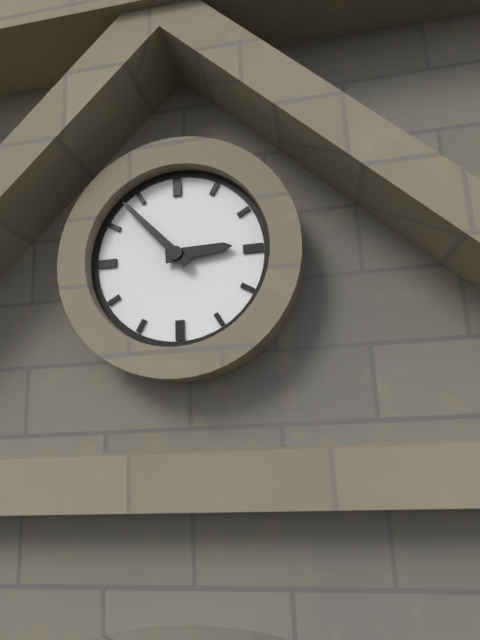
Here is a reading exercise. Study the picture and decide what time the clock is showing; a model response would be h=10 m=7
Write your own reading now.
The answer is h=2 m=53
